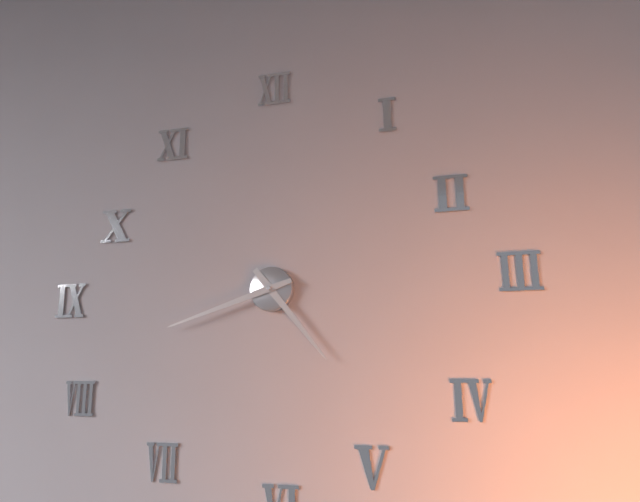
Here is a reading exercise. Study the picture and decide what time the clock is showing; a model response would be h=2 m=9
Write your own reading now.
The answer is h=4 m=42
